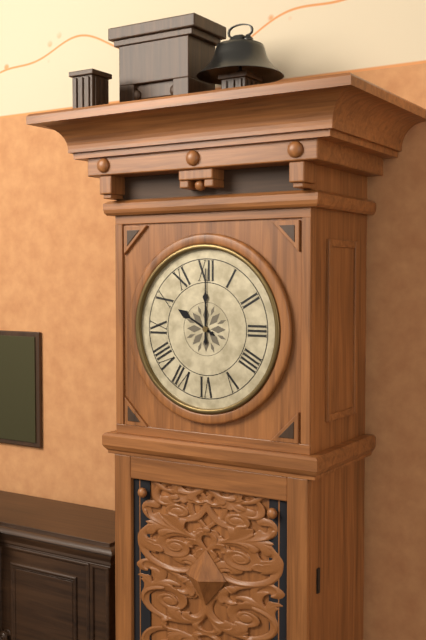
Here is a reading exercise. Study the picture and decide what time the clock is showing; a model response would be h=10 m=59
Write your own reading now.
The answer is h=10 m=0
